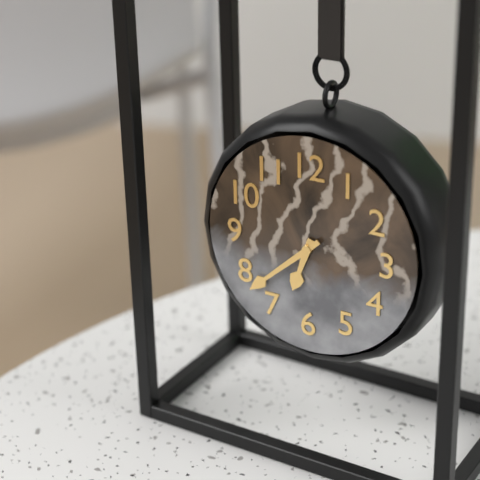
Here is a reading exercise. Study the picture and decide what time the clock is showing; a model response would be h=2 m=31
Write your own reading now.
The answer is h=6 m=38
